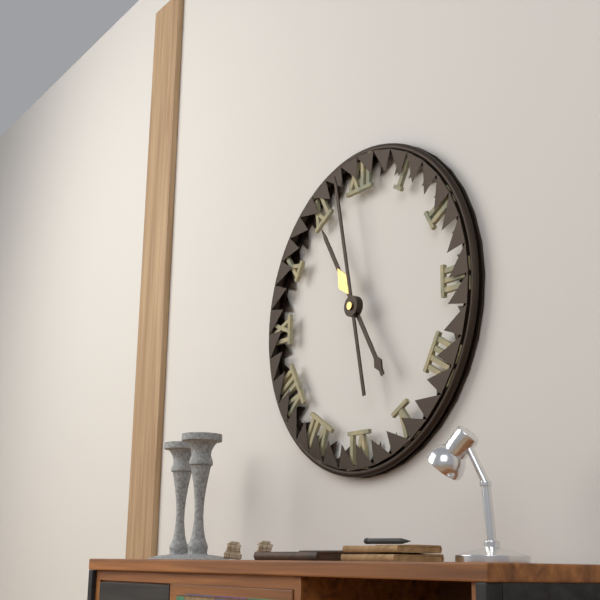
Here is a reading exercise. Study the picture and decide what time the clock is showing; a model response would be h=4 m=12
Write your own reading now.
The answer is h=10 m=58
